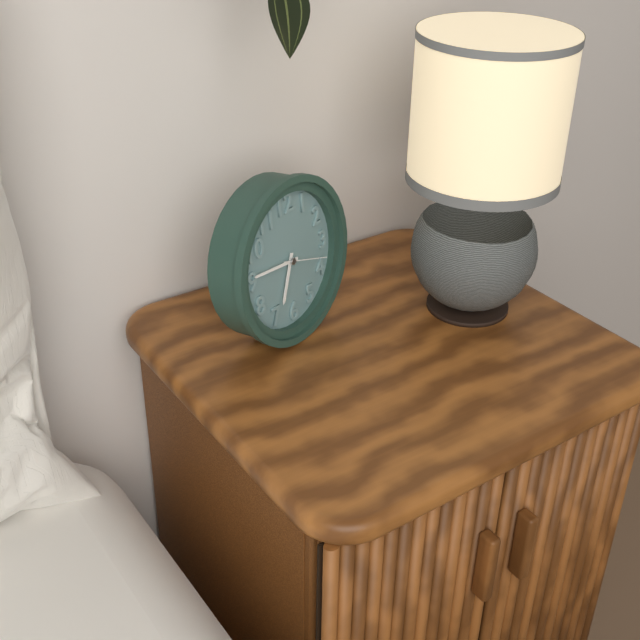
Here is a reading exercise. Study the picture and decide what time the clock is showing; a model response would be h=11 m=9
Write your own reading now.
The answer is h=6 m=46
